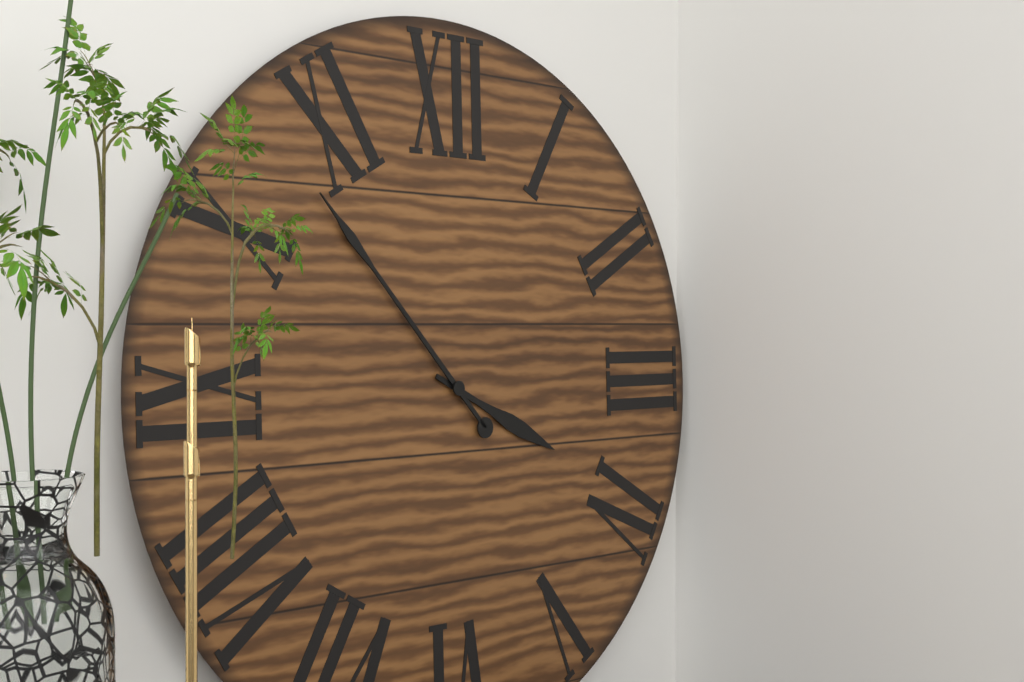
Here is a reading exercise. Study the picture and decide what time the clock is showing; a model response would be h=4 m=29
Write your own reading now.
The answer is h=3 m=53
